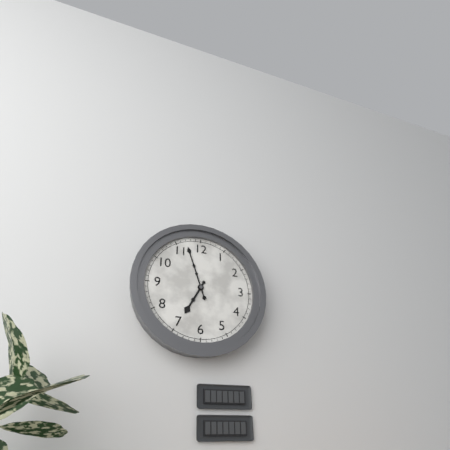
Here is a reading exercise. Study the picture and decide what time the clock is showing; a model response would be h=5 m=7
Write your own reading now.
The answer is h=6 m=57
